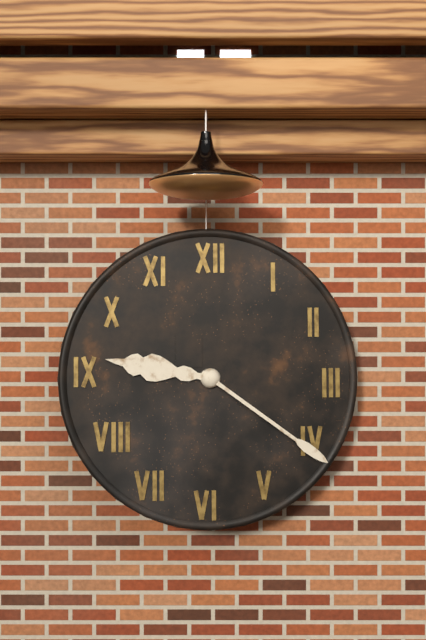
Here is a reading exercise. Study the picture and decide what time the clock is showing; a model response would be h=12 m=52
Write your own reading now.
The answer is h=9 m=21
